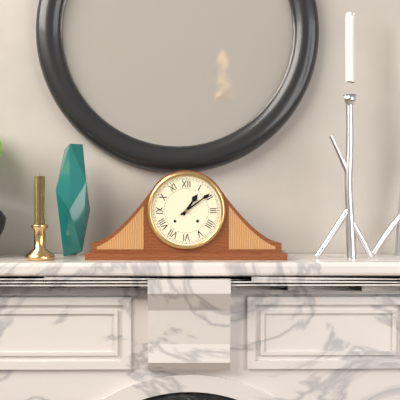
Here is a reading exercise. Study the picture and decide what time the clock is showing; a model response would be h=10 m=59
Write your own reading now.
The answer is h=1 m=9
